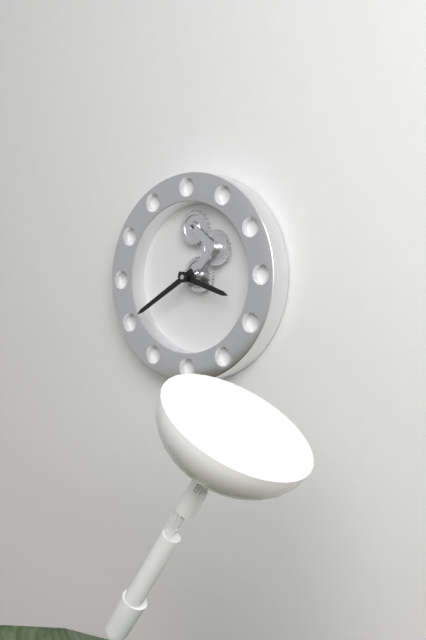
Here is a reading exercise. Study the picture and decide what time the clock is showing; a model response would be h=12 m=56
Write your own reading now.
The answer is h=3 m=40
